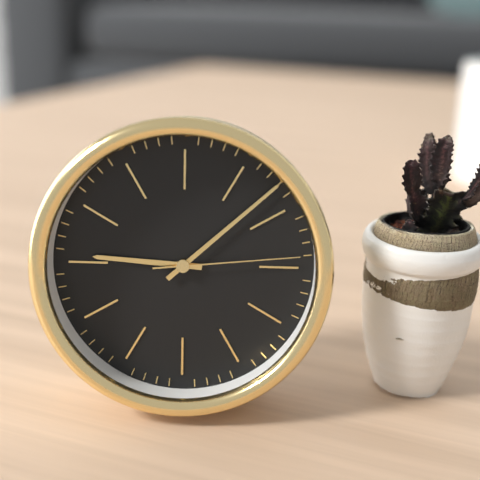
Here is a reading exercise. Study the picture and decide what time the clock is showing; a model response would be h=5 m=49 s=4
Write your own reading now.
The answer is h=9 m=8 s=14
